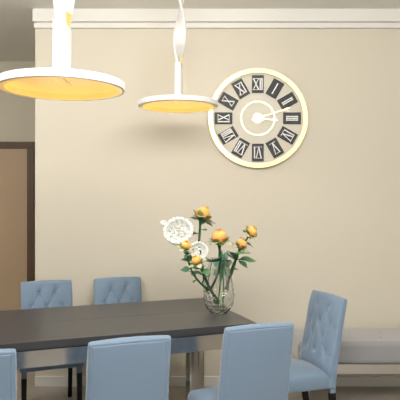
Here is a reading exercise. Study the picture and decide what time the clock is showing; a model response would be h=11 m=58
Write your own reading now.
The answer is h=3 m=12
